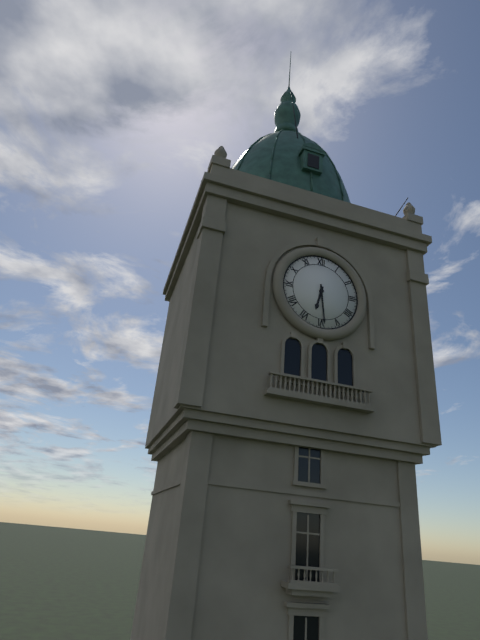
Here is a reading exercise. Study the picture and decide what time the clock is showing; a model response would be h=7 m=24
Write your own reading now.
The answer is h=6 m=29
